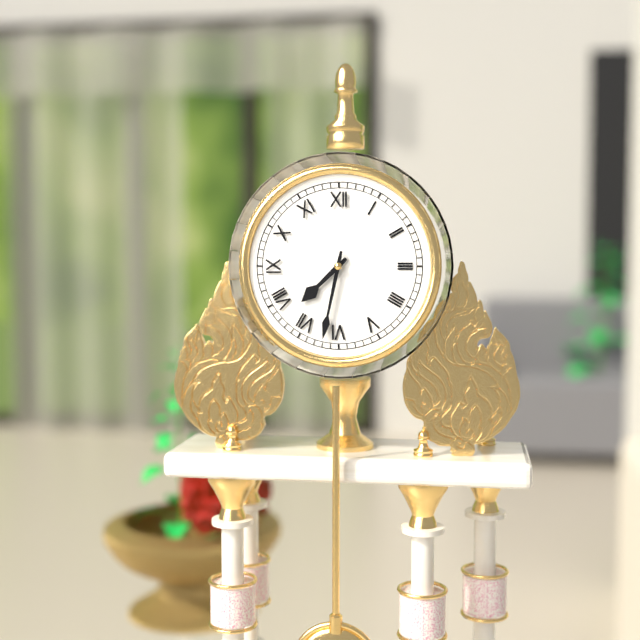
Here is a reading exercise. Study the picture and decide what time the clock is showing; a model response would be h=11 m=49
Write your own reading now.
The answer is h=7 m=32
